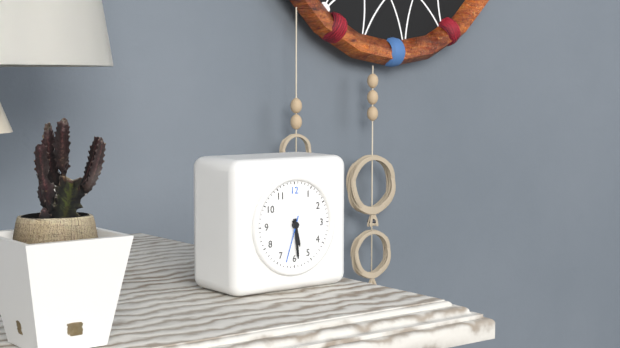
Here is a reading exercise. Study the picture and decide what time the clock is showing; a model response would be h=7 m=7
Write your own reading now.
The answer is h=5 m=29
